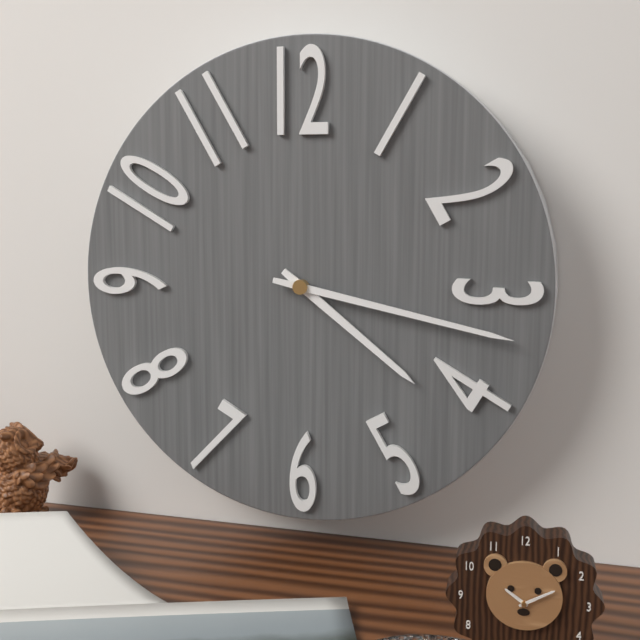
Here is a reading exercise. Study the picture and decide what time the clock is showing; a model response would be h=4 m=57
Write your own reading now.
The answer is h=4 m=17
